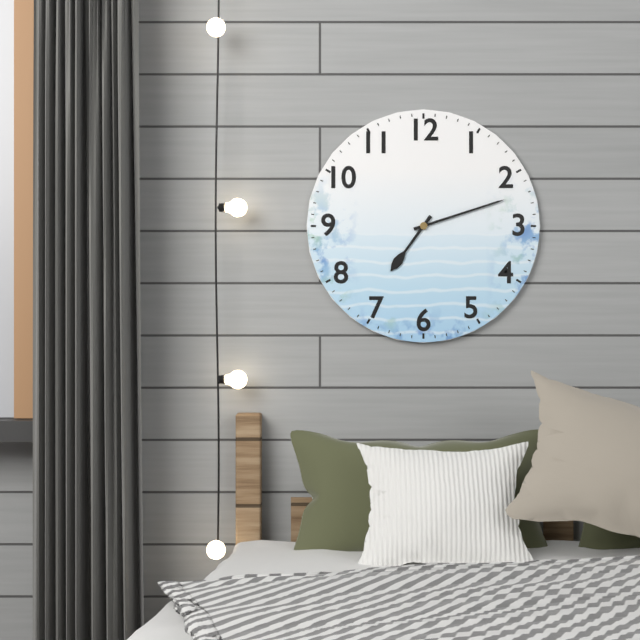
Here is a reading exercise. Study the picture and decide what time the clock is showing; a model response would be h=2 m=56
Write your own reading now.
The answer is h=7 m=12
